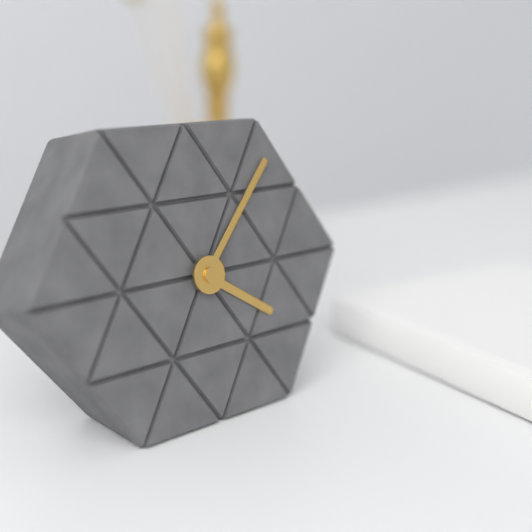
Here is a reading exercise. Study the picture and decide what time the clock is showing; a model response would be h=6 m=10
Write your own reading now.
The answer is h=4 m=7
